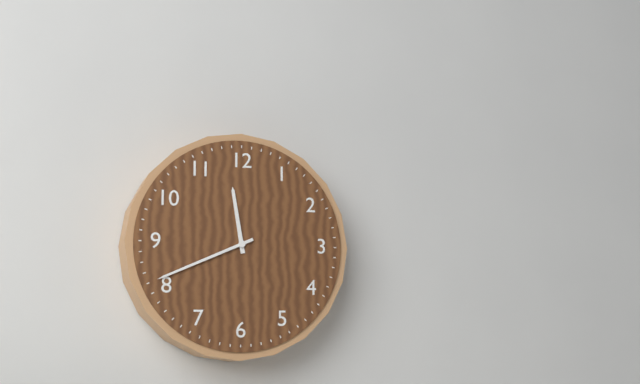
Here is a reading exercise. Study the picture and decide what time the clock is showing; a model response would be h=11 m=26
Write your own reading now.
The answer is h=11 m=41
